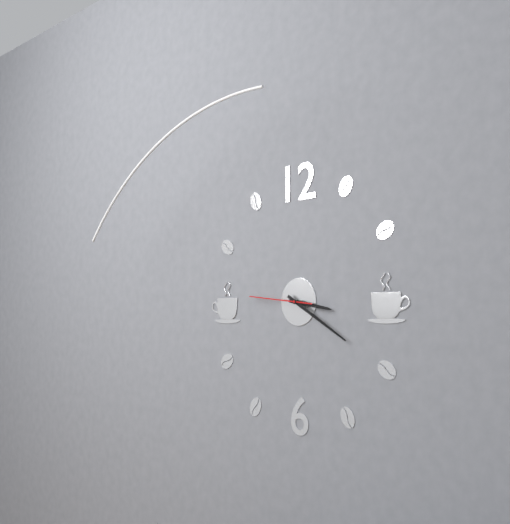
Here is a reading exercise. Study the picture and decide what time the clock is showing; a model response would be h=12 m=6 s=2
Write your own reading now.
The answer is h=3 m=20 s=46
